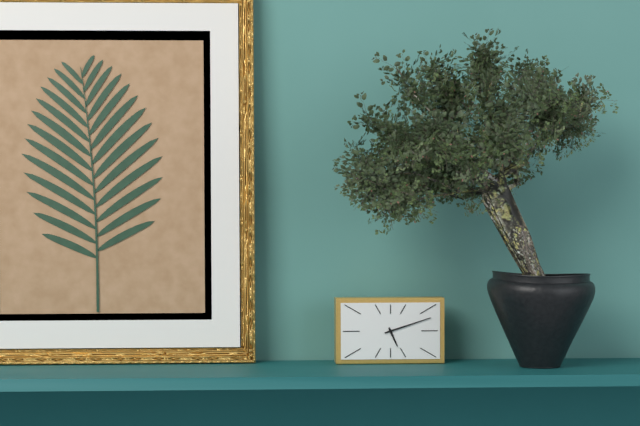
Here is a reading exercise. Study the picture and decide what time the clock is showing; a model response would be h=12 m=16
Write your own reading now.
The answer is h=5 m=12
